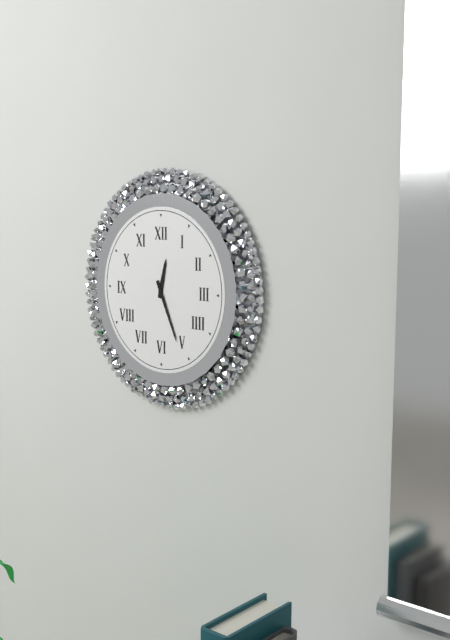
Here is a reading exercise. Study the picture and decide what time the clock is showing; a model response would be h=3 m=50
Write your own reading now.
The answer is h=12 m=26
